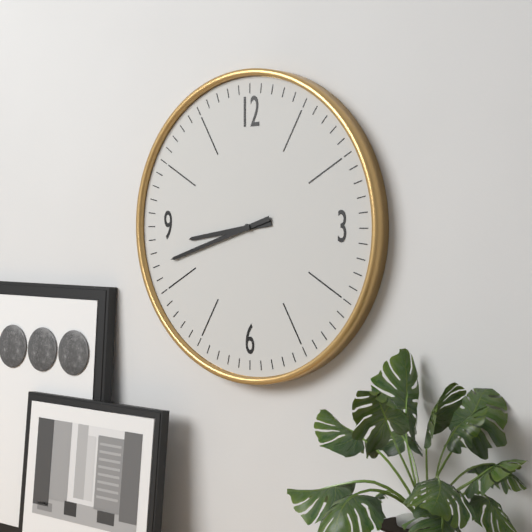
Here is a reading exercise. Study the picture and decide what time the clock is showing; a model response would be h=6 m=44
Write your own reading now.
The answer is h=8 m=42
